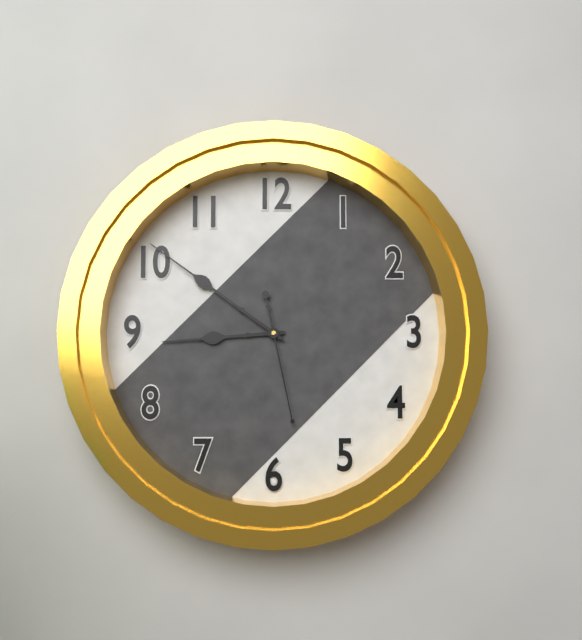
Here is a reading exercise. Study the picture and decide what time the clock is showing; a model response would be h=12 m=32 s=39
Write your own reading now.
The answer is h=8 m=51 s=28
